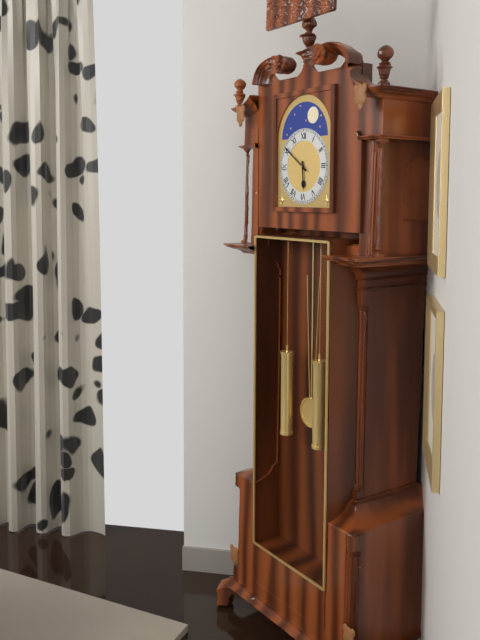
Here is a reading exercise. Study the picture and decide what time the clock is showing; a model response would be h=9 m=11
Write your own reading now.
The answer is h=5 m=51
